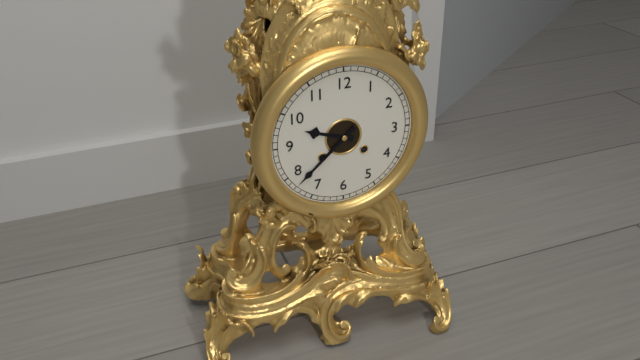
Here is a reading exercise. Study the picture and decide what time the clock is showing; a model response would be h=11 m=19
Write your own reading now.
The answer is h=9 m=38
